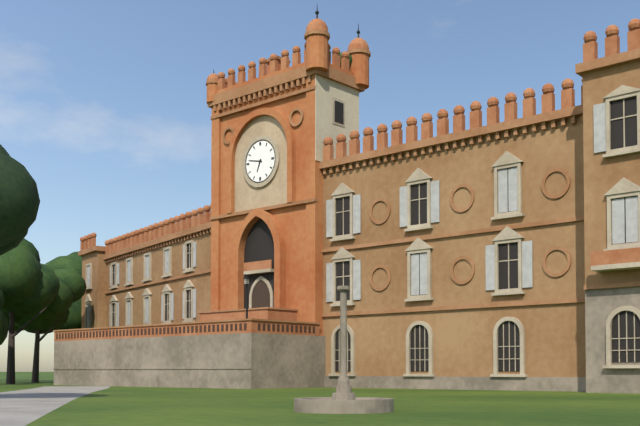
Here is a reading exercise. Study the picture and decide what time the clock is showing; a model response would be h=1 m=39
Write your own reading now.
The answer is h=6 m=47
